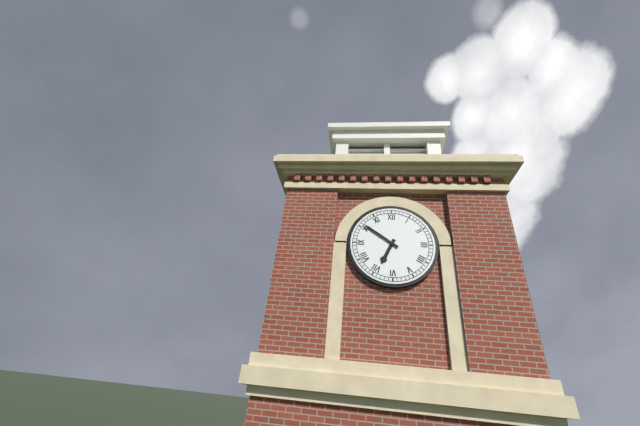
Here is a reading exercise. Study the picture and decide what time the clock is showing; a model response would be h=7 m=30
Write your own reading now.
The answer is h=6 m=51
